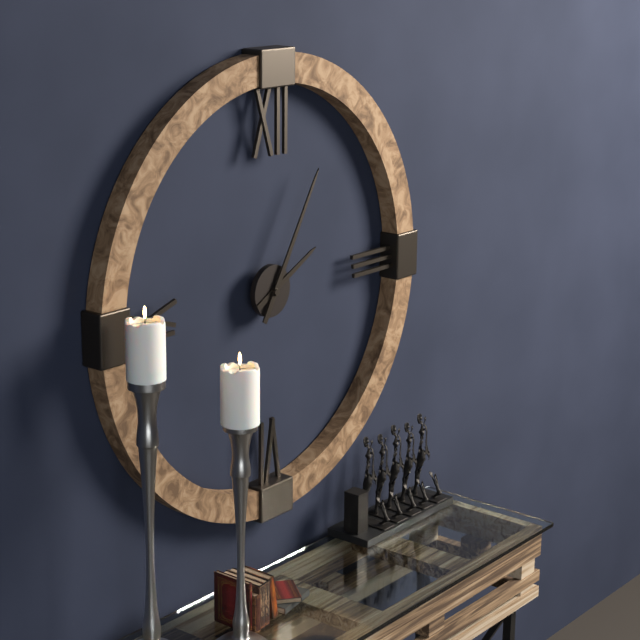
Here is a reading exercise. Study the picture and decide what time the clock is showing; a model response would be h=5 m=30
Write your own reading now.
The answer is h=2 m=5
